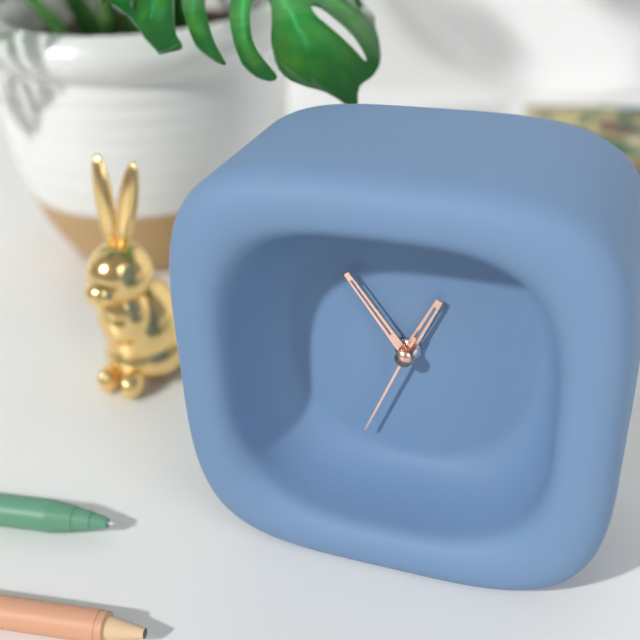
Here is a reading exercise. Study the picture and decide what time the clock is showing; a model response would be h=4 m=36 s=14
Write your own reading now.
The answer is h=12 m=54 s=34
